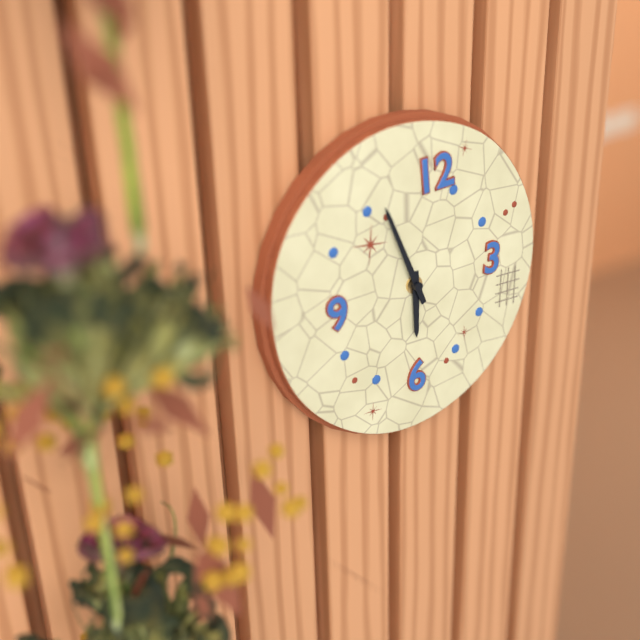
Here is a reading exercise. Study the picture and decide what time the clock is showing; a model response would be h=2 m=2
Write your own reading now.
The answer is h=5 m=56
